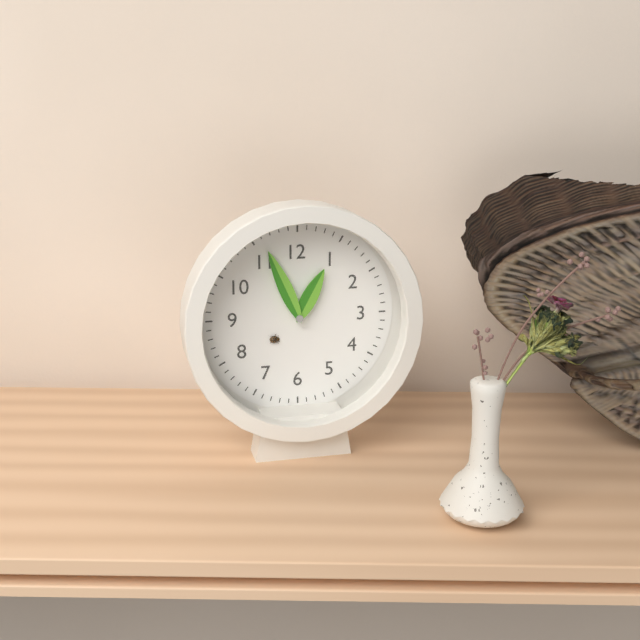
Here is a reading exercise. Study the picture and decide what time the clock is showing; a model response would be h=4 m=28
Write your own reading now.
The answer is h=12 m=56
